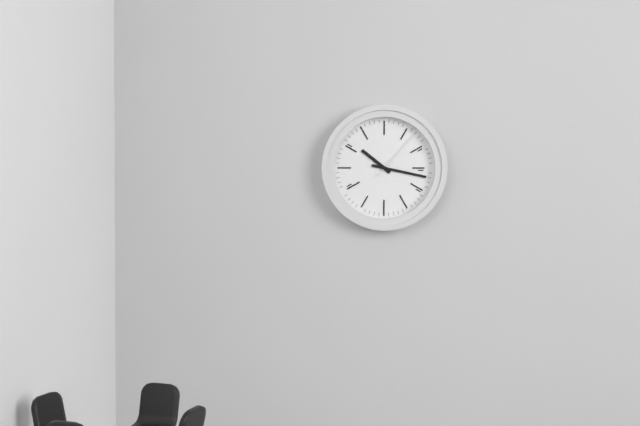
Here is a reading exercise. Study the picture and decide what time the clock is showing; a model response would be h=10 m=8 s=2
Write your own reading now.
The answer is h=10 m=17 s=7
